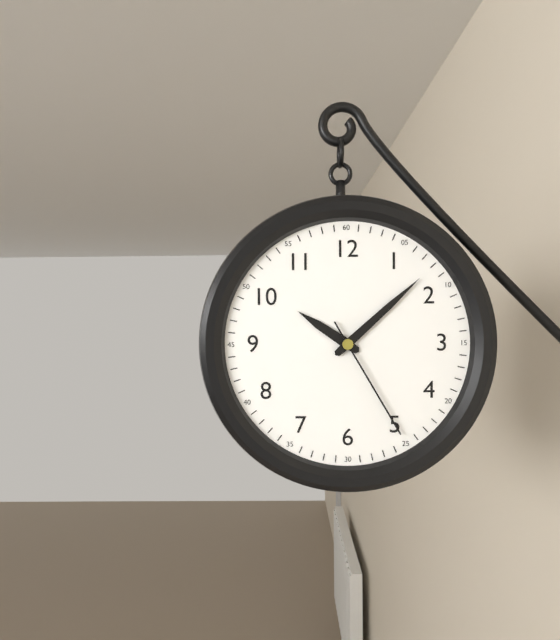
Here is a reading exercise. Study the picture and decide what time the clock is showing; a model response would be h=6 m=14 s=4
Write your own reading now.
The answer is h=10 m=8 s=25
